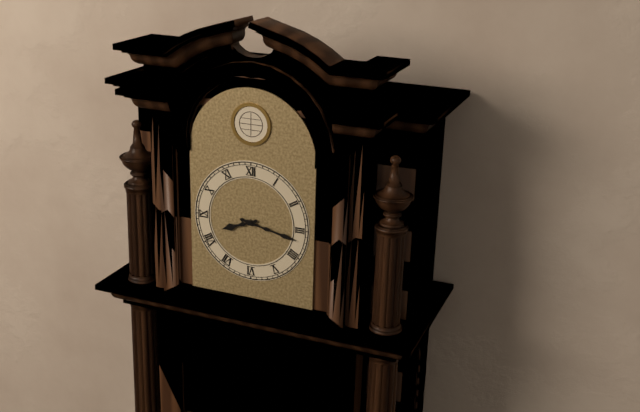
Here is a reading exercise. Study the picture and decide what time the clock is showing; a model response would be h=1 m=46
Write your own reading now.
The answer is h=8 m=17
